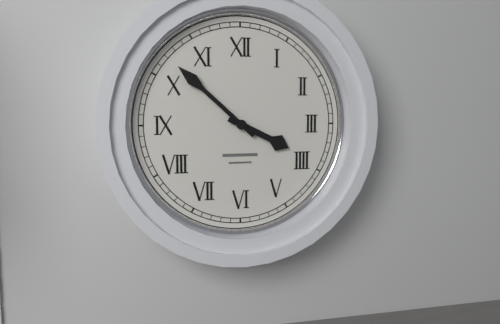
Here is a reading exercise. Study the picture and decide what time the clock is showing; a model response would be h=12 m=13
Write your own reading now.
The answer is h=3 m=52
